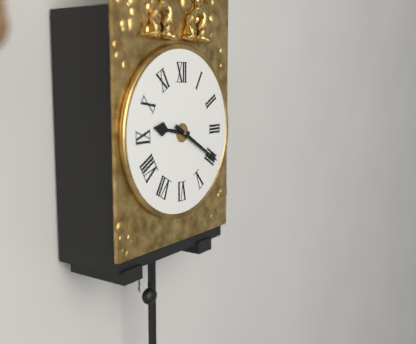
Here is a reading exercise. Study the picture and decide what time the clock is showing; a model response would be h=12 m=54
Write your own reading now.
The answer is h=9 m=20
